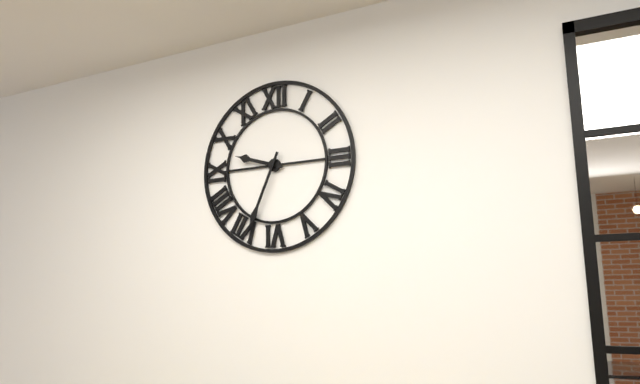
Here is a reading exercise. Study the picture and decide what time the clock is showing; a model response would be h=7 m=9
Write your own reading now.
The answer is h=9 m=34
